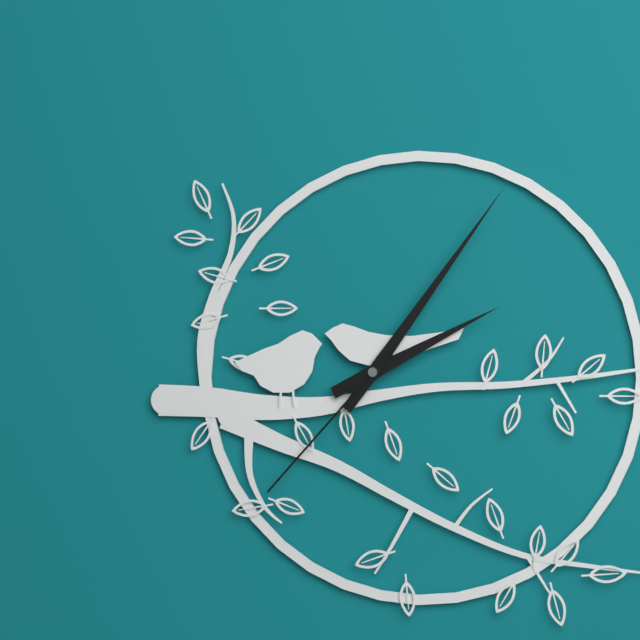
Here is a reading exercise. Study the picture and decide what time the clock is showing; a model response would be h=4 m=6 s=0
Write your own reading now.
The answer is h=2 m=6 s=37
